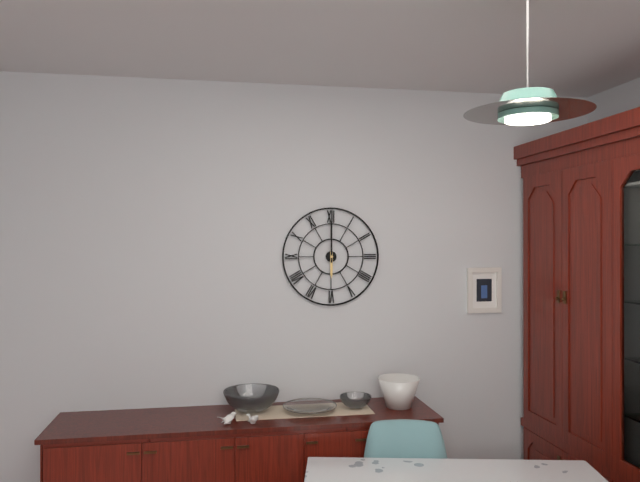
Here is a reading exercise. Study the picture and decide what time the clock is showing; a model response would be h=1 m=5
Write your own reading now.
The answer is h=6 m=0
